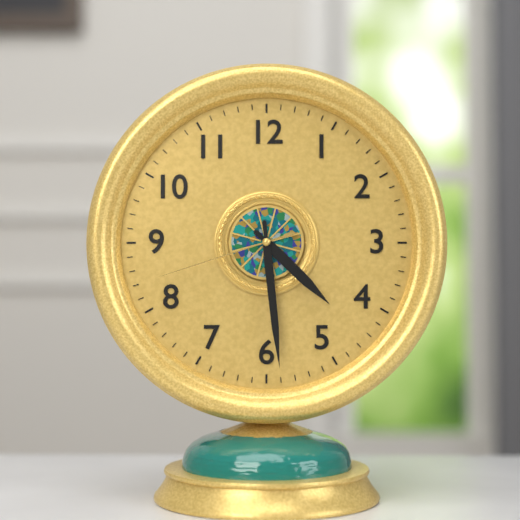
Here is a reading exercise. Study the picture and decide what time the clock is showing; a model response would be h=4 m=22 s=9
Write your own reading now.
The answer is h=4 m=29 s=42
